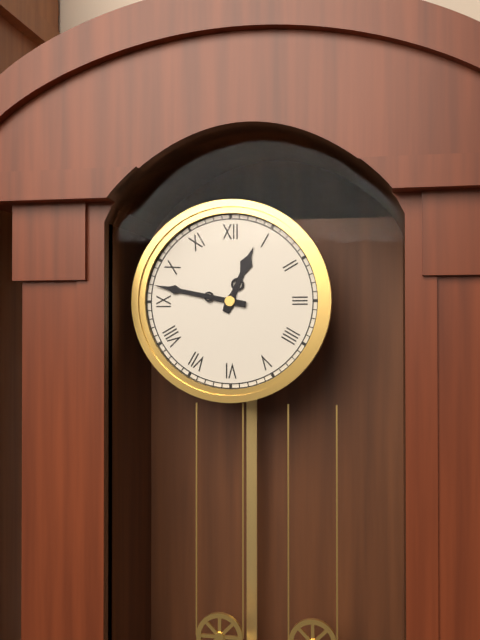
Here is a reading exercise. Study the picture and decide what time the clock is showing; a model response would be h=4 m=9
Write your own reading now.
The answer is h=12 m=47
